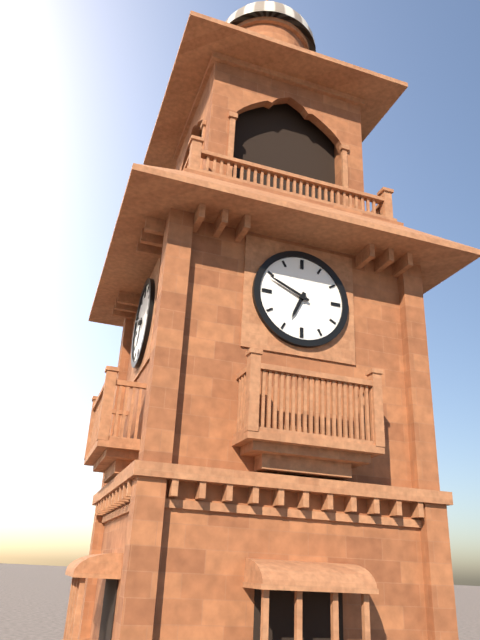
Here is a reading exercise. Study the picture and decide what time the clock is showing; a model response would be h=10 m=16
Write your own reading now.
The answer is h=6 m=49
